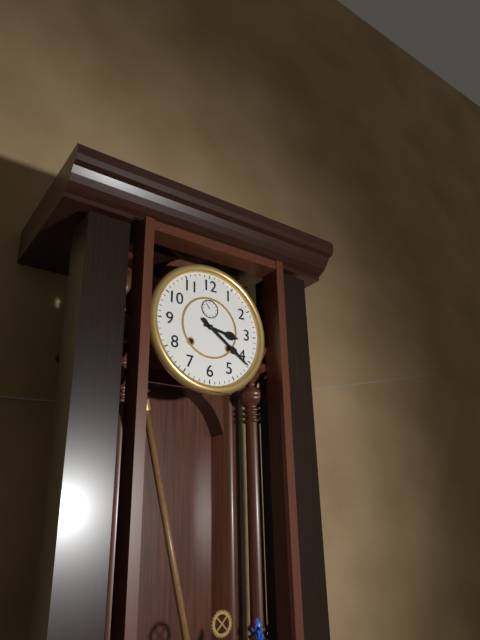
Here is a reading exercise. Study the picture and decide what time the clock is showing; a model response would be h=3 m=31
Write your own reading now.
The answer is h=3 m=21
